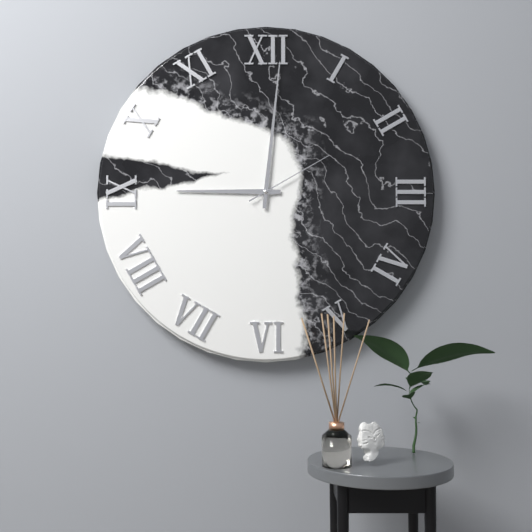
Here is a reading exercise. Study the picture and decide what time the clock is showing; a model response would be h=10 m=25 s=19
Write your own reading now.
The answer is h=9 m=1 s=10
